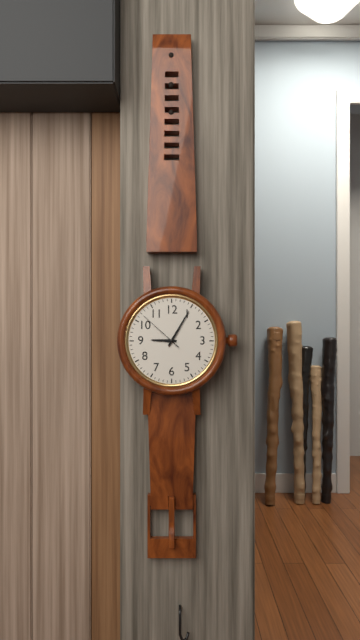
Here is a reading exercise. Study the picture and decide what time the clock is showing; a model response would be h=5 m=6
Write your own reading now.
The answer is h=9 m=5
